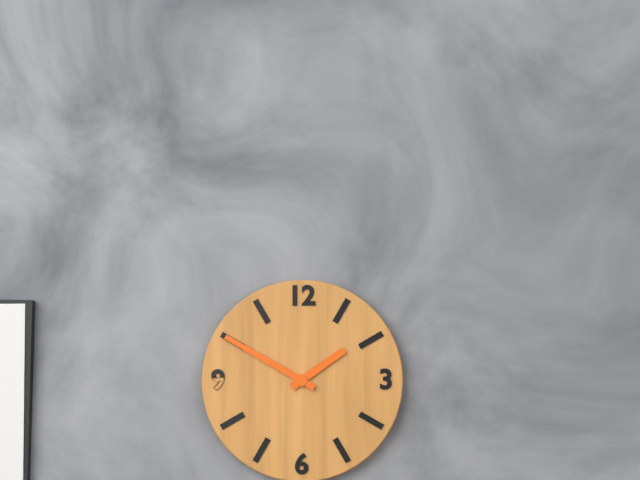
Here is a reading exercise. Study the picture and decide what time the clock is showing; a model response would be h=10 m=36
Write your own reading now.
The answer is h=1 m=50
